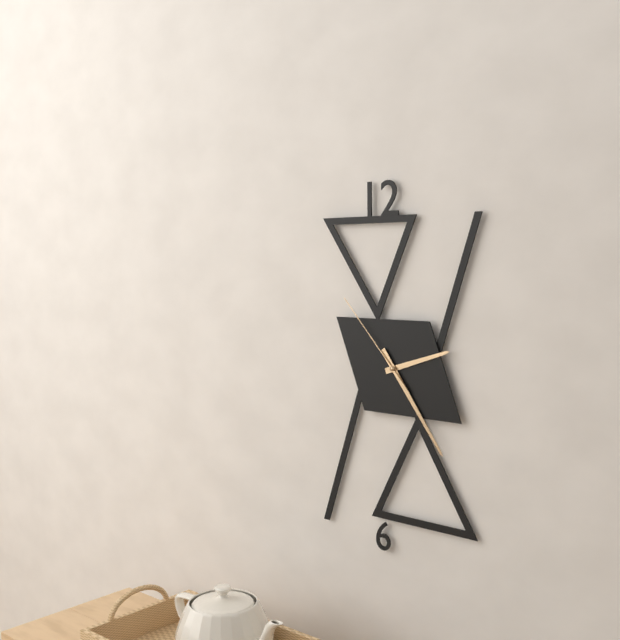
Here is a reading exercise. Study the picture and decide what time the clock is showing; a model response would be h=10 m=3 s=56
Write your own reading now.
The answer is h=2 m=24 s=53
